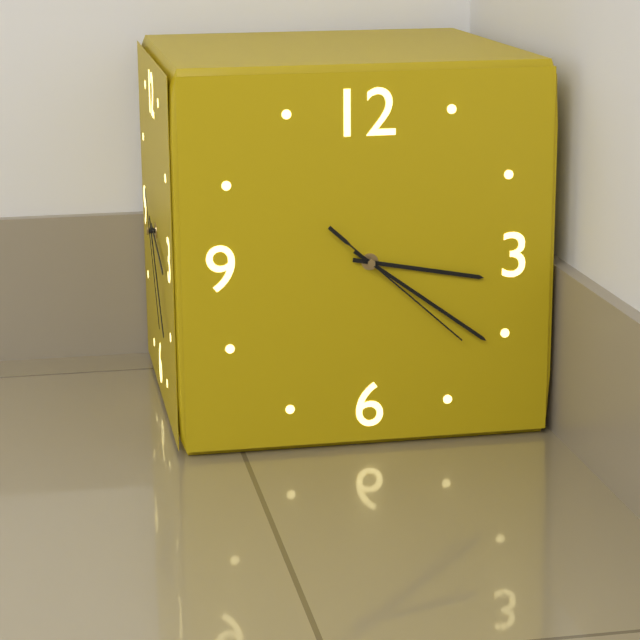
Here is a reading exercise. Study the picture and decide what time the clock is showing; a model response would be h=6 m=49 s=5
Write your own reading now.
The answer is h=3 m=21 s=22
